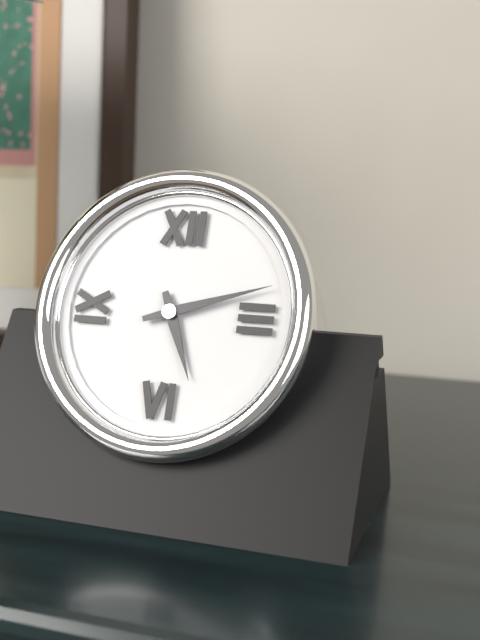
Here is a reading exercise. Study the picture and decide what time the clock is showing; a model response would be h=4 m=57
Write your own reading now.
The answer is h=5 m=12
